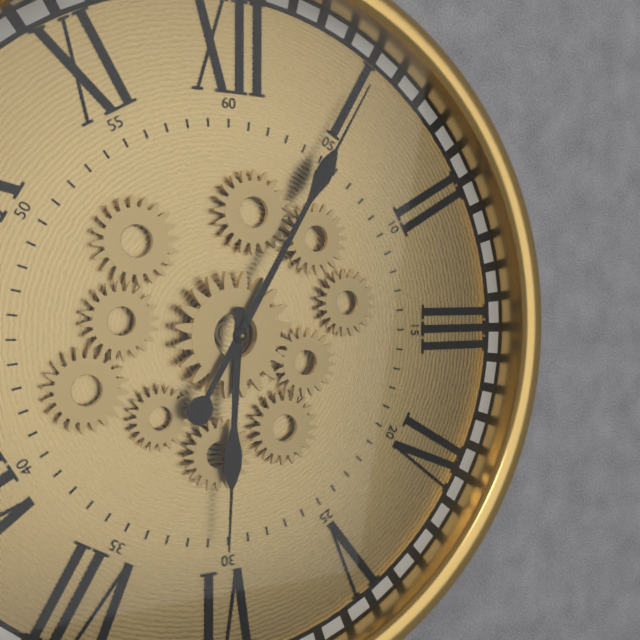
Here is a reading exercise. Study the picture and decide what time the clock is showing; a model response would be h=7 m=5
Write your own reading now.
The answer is h=6 m=5
